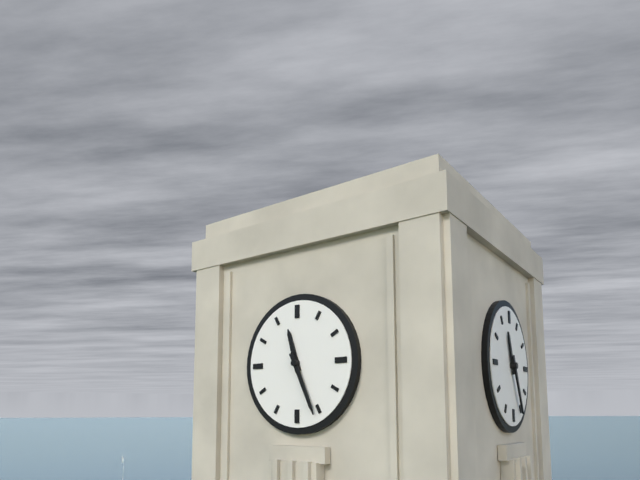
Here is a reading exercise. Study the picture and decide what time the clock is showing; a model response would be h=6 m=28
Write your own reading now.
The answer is h=11 m=26
